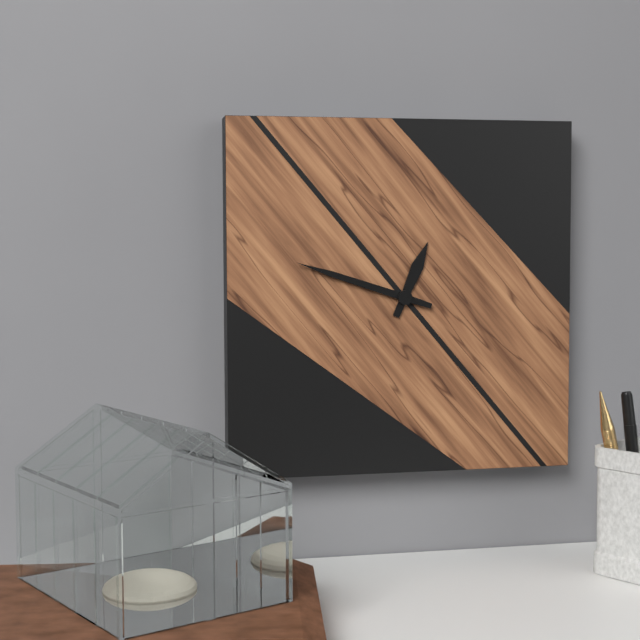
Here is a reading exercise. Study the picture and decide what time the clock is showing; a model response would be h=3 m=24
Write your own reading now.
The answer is h=12 m=48
